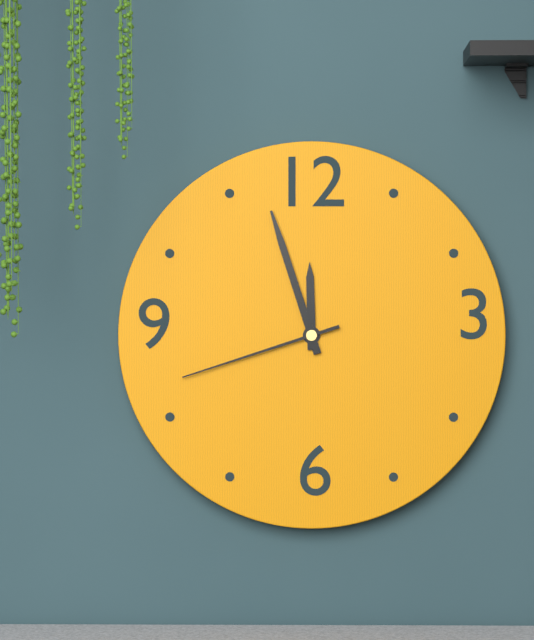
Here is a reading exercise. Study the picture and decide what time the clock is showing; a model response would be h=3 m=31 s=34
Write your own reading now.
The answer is h=11 m=57 s=42
